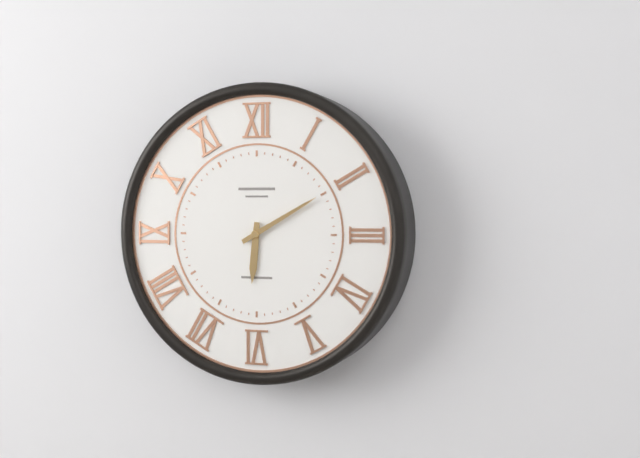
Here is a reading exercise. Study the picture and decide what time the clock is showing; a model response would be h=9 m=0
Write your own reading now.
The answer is h=6 m=10
